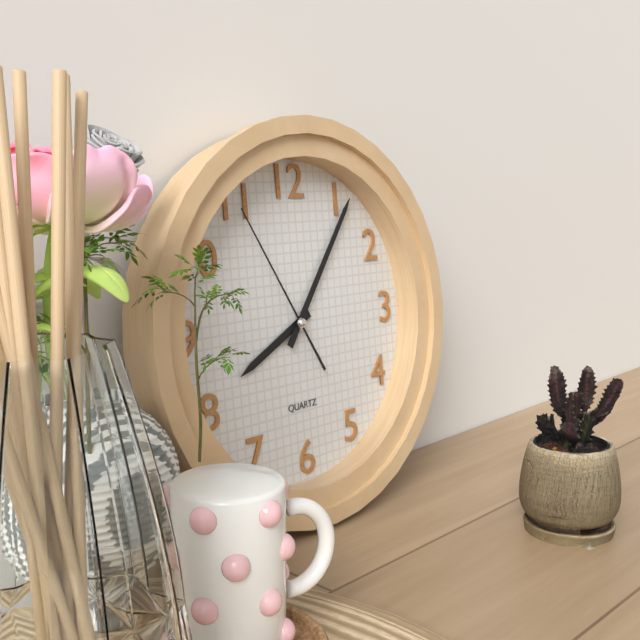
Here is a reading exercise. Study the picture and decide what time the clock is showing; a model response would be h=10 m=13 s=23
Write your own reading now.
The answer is h=8 m=6 s=55
